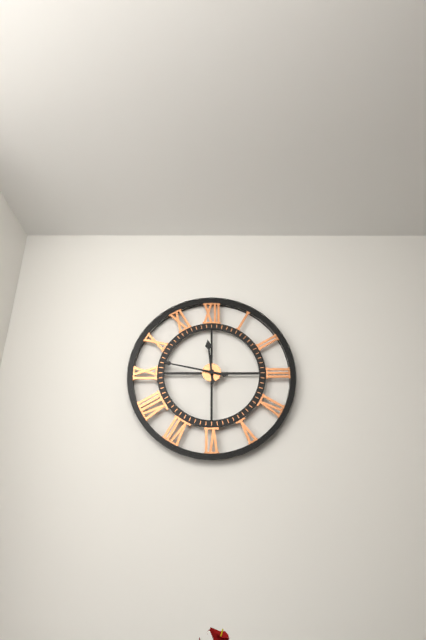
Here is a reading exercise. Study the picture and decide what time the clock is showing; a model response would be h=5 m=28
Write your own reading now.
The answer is h=11 m=47
